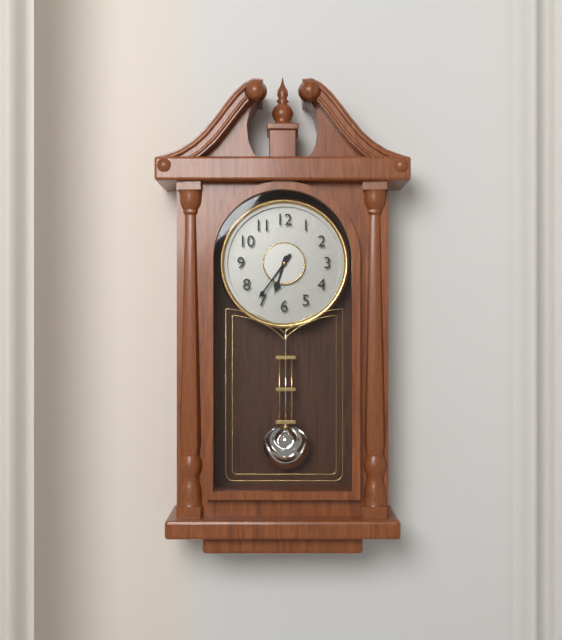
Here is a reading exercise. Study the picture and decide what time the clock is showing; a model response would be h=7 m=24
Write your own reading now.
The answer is h=6 m=36
